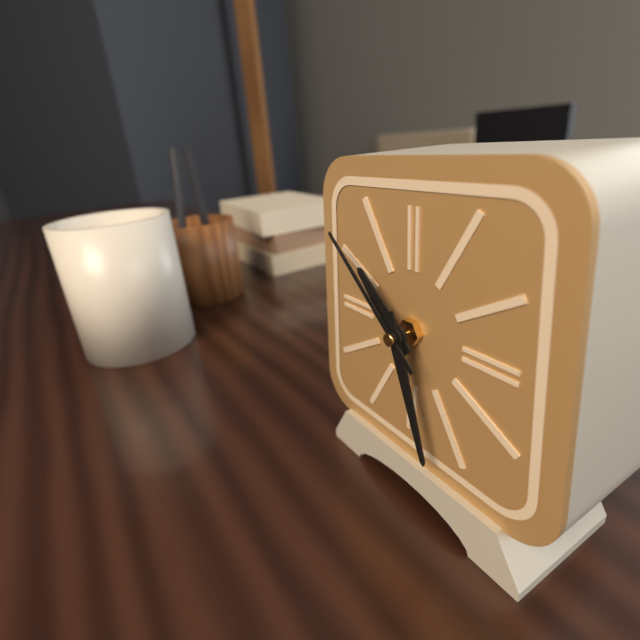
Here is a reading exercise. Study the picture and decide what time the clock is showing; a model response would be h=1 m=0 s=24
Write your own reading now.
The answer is h=10 m=27 s=52
